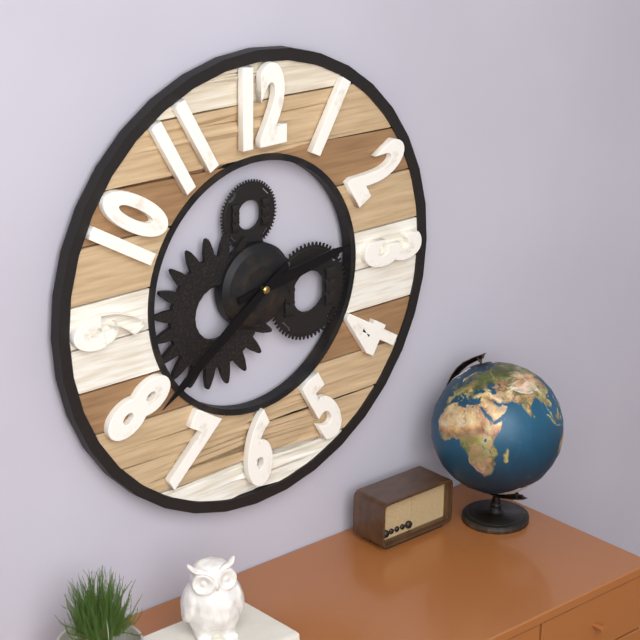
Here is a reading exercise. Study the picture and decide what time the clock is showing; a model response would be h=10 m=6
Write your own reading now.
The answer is h=2 m=39
